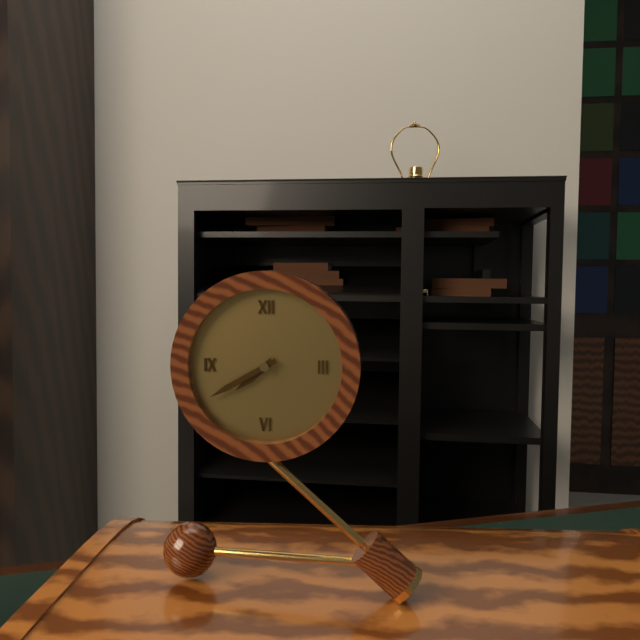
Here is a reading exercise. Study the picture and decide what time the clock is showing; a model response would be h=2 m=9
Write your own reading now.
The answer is h=7 m=40
